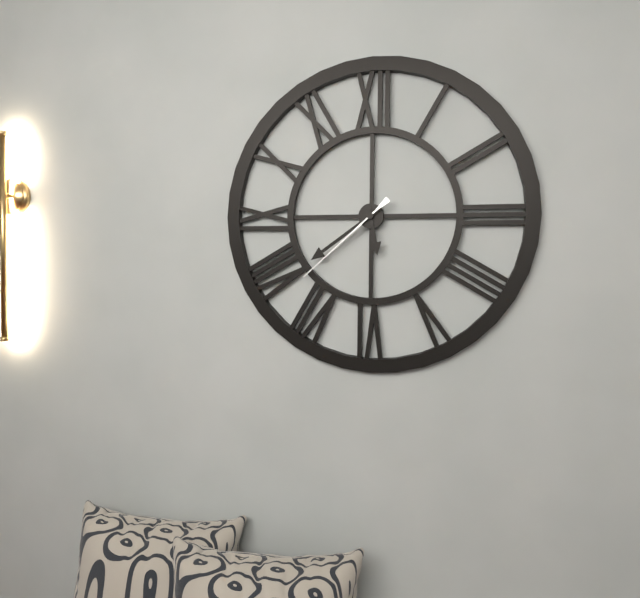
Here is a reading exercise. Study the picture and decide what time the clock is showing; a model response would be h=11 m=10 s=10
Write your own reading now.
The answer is h=5 m=39 s=38
